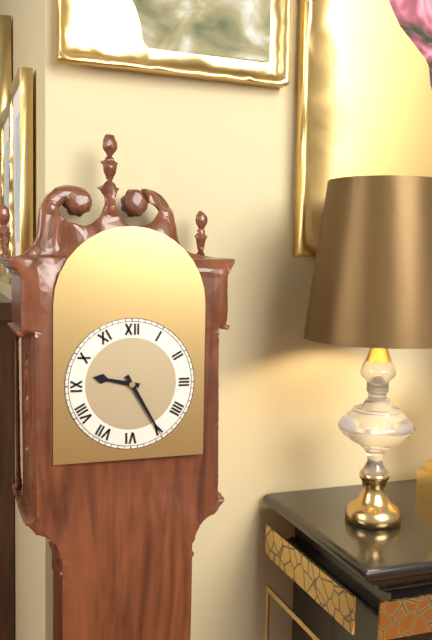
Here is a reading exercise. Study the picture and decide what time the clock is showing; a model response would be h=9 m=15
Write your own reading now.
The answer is h=9 m=25
